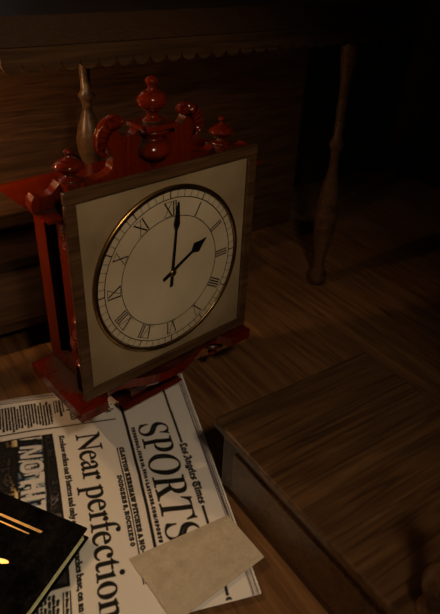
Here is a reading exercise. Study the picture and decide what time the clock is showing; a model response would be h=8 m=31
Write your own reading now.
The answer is h=2 m=1
